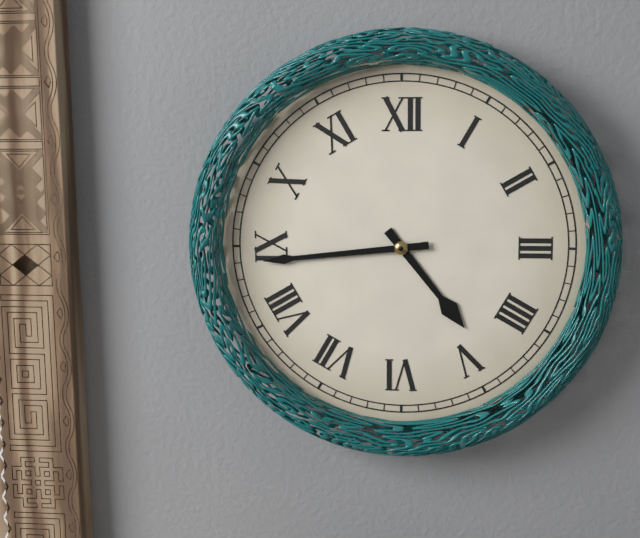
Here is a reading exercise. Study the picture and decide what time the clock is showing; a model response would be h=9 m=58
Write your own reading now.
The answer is h=4 m=44
